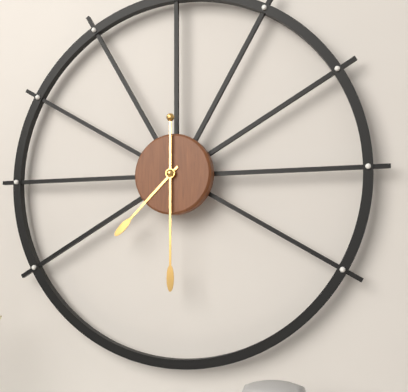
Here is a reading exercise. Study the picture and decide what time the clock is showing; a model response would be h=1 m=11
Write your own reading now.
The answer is h=7 m=30
